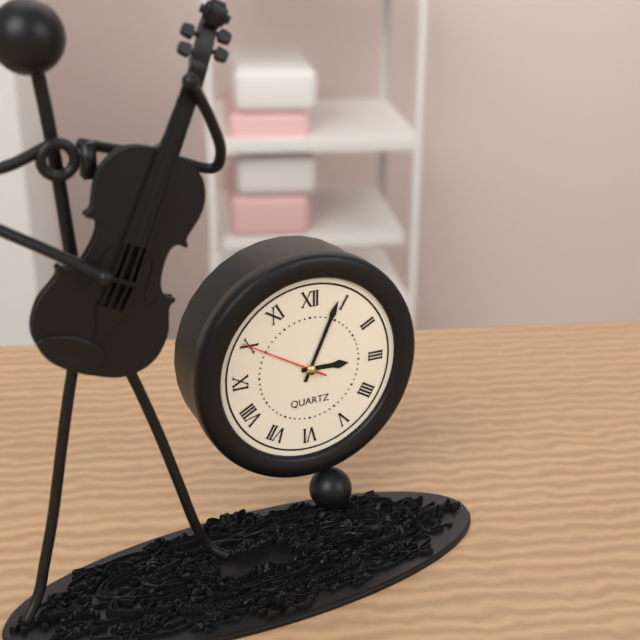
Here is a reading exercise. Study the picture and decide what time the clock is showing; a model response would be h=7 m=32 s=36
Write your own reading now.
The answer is h=3 m=4 s=50
